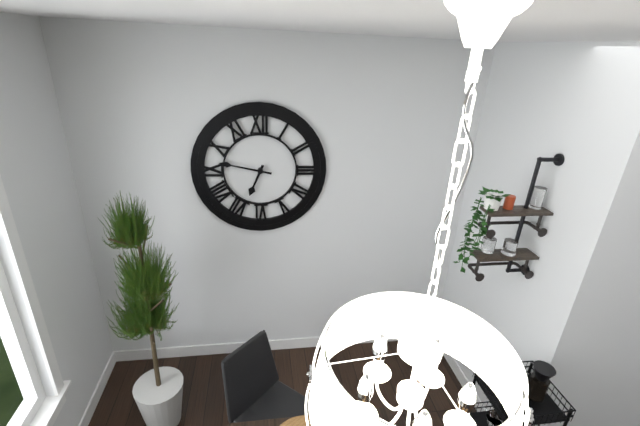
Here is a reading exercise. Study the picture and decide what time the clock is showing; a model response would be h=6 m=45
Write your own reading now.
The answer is h=6 m=47
